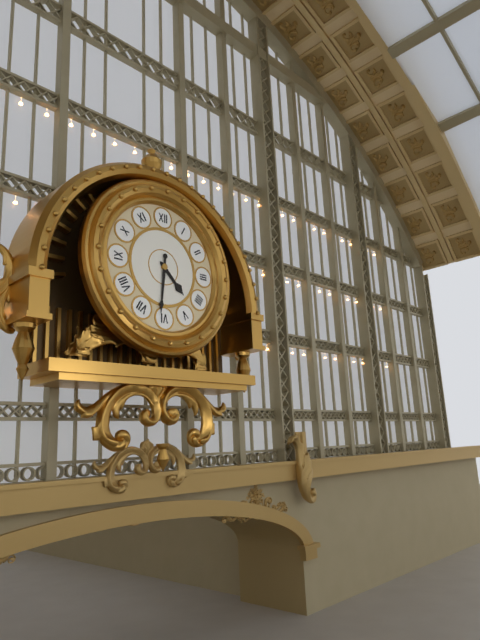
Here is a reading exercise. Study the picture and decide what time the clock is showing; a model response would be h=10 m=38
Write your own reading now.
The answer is h=4 m=31
